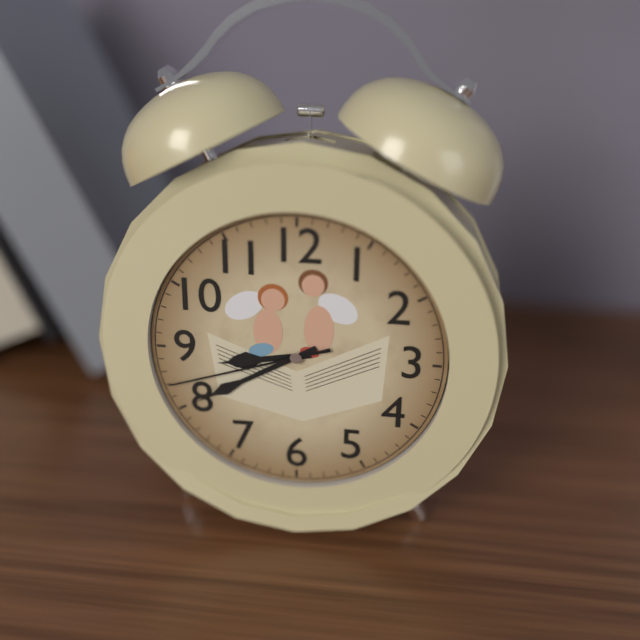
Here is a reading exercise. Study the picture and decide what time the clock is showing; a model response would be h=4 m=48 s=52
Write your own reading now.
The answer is h=8 m=40 s=42
